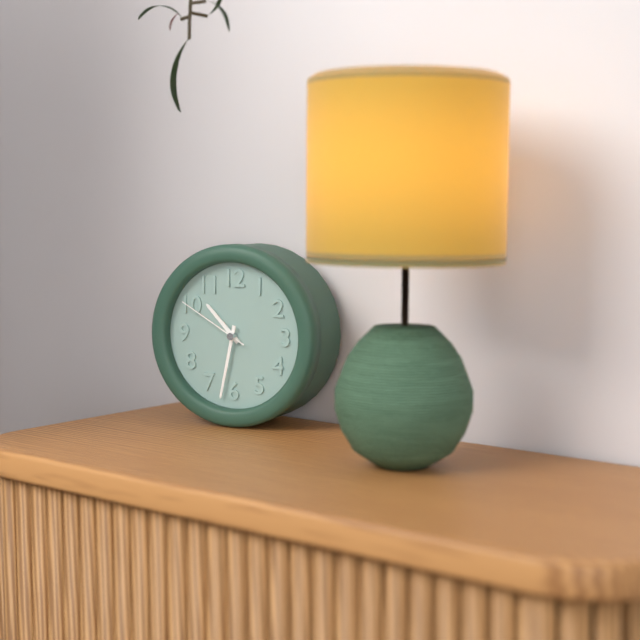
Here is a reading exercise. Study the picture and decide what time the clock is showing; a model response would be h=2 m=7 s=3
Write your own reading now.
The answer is h=10 m=32 s=50
